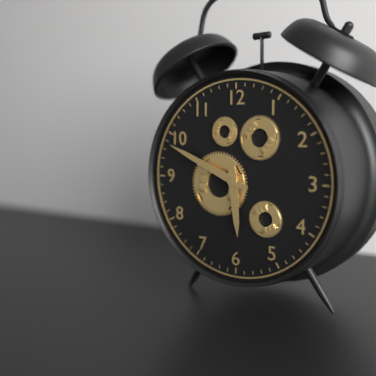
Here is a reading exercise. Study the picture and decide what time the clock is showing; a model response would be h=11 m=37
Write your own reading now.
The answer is h=5 m=49
